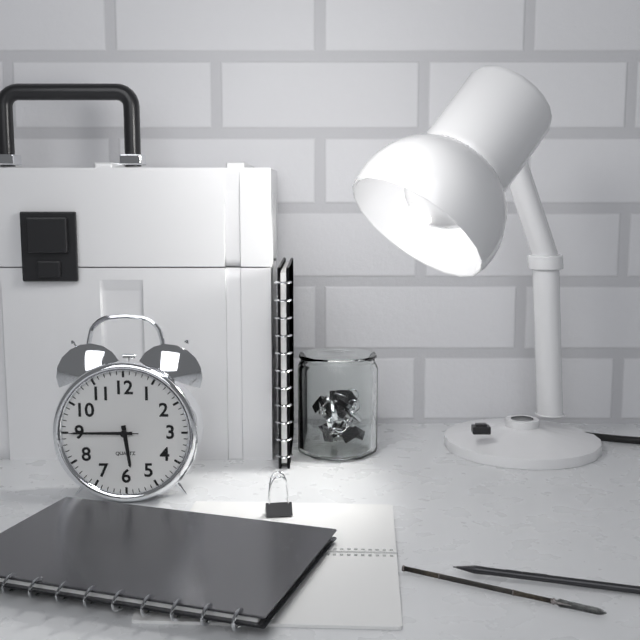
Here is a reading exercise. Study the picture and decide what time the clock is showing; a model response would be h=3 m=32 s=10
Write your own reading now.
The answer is h=5 m=45 s=45
